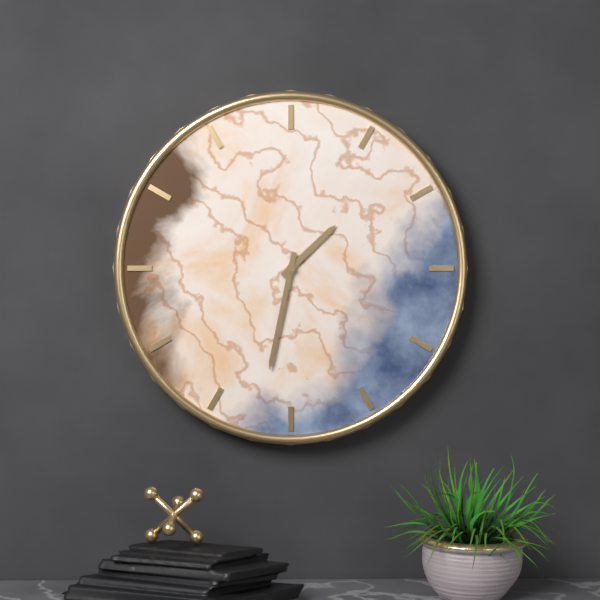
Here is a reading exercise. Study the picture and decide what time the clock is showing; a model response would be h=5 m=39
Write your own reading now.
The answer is h=1 m=32
